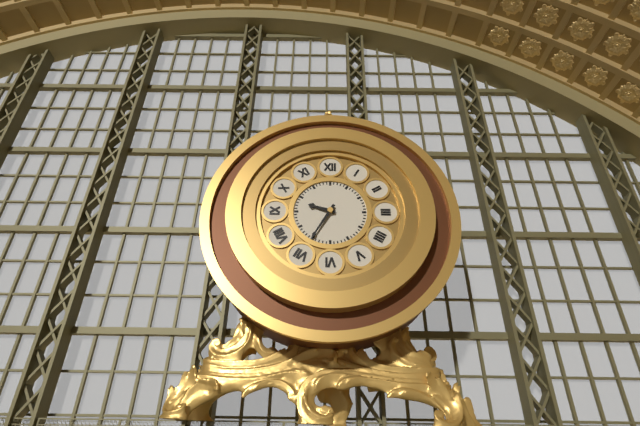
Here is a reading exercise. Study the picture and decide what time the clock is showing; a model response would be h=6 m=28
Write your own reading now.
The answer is h=9 m=35
